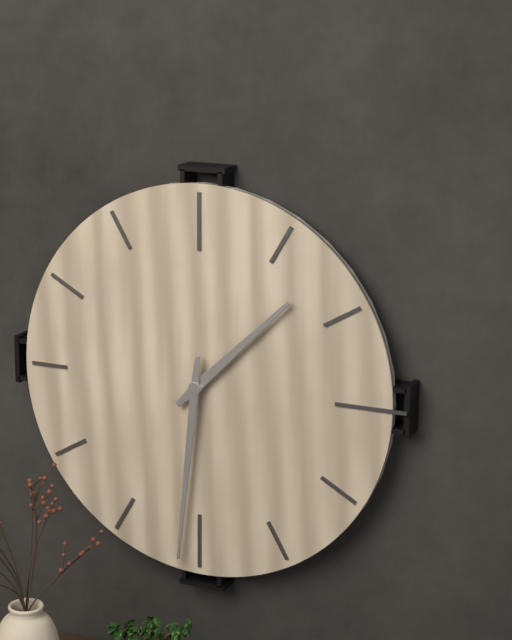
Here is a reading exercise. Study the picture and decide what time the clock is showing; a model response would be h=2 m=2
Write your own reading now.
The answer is h=1 m=31
